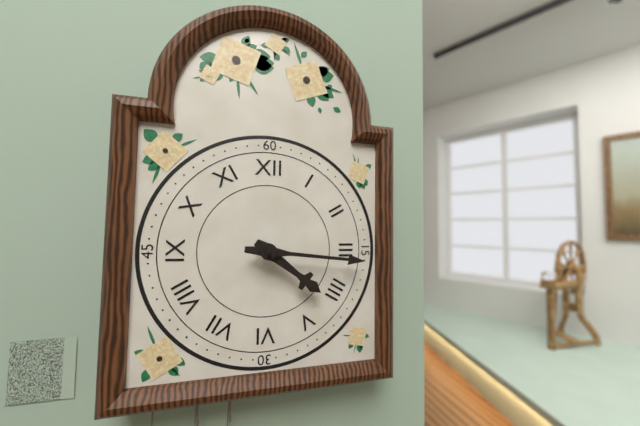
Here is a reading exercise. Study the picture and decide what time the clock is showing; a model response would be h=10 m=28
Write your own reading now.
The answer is h=4 m=16
